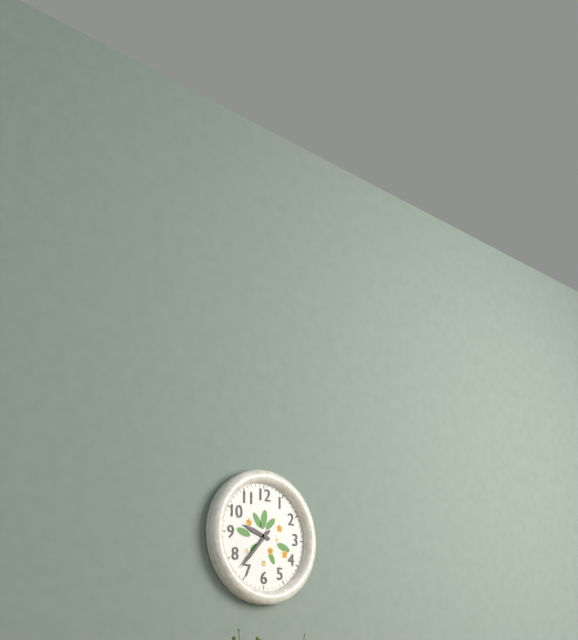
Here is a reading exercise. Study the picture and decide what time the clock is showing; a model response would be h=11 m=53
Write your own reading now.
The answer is h=9 m=37
